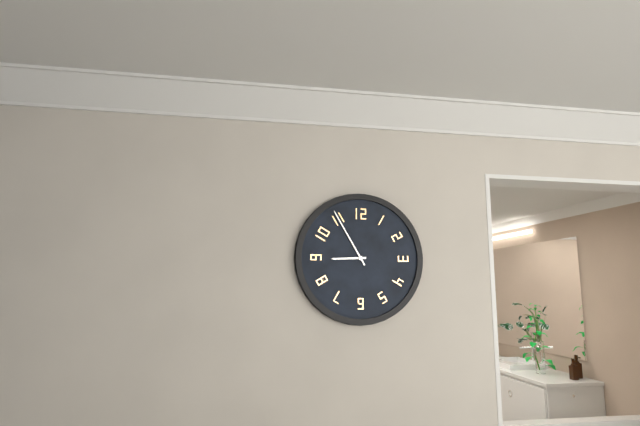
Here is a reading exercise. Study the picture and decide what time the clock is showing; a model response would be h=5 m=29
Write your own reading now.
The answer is h=8 m=55
